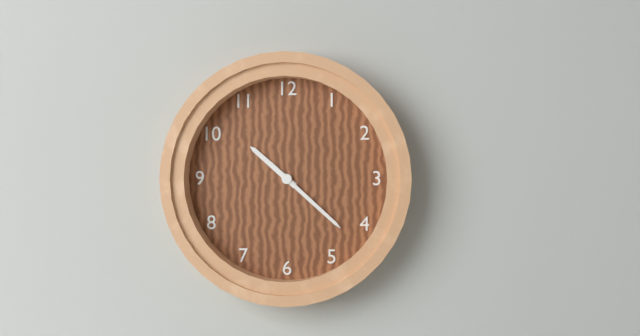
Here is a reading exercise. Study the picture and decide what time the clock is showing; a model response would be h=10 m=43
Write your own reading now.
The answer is h=10 m=22
